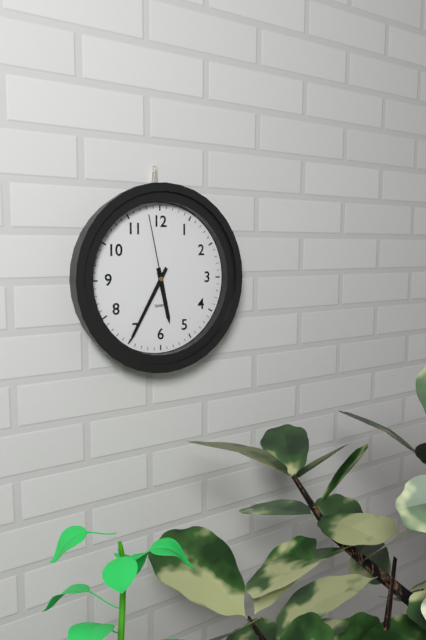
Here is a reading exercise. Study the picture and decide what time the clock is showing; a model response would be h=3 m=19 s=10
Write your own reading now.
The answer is h=5 m=35 s=58
